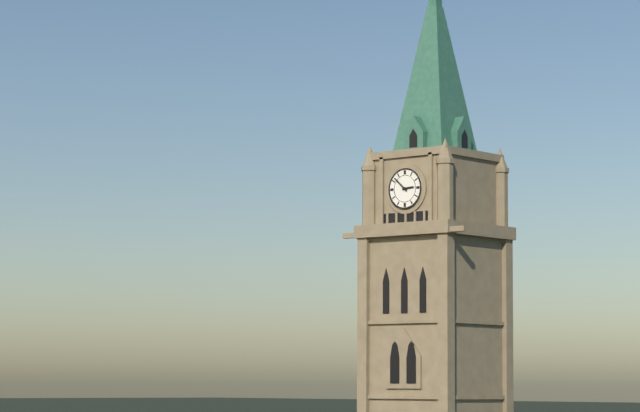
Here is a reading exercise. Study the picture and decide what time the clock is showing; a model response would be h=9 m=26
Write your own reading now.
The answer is h=2 m=52
